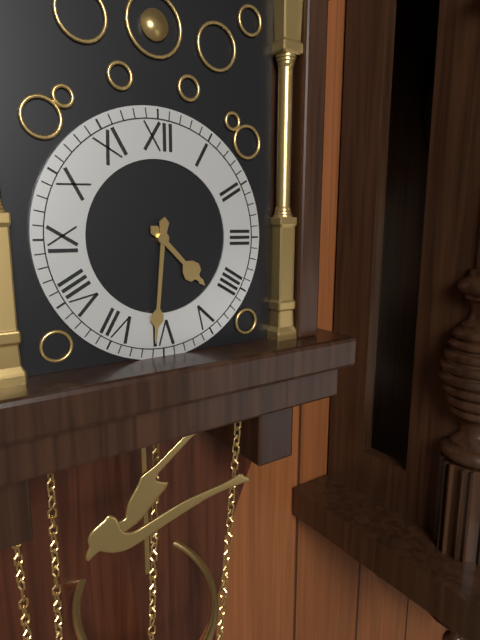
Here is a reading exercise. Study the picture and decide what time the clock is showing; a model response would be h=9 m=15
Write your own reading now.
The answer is h=4 m=31
